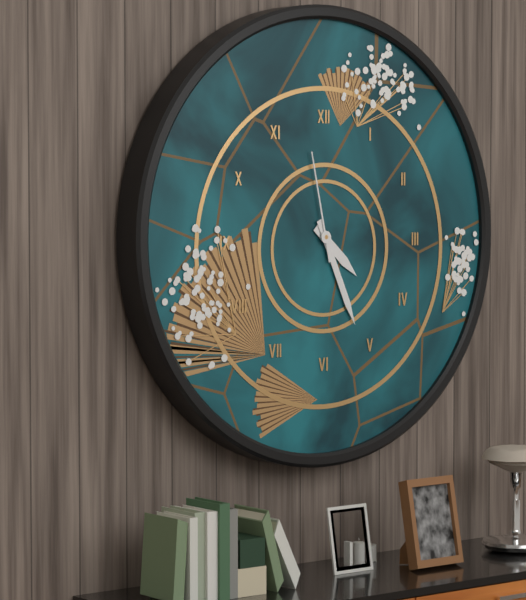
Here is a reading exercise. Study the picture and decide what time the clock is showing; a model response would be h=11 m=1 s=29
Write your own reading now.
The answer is h=4 m=26 s=58
